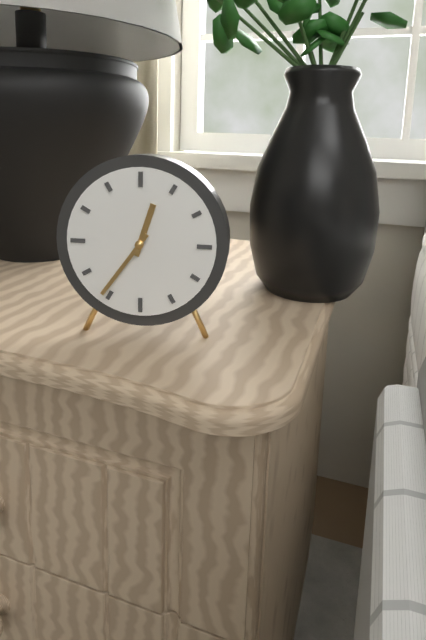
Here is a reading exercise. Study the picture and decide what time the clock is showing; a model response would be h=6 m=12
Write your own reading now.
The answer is h=12 m=36
